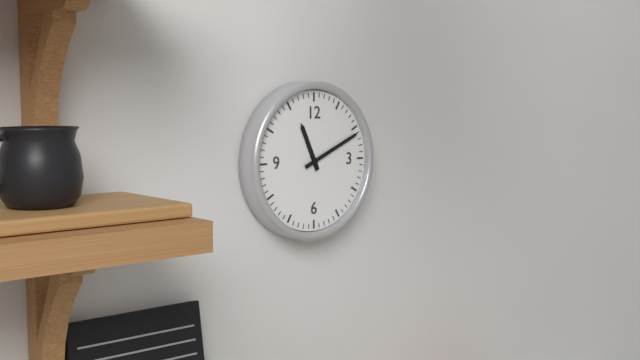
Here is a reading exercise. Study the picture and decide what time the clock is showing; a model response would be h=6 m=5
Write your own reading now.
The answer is h=11 m=11
